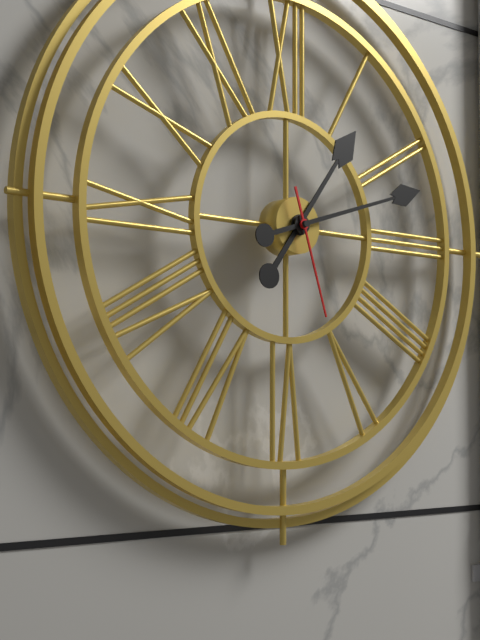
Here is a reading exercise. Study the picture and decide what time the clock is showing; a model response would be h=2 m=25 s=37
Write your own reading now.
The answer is h=1 m=12 s=27
